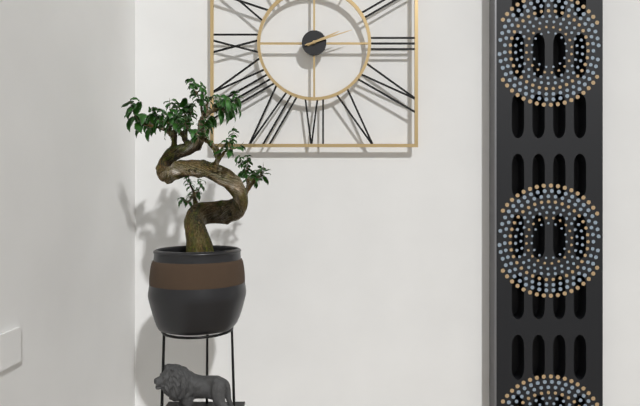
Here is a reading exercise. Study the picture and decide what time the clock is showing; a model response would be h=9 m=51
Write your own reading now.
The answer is h=2 m=12
